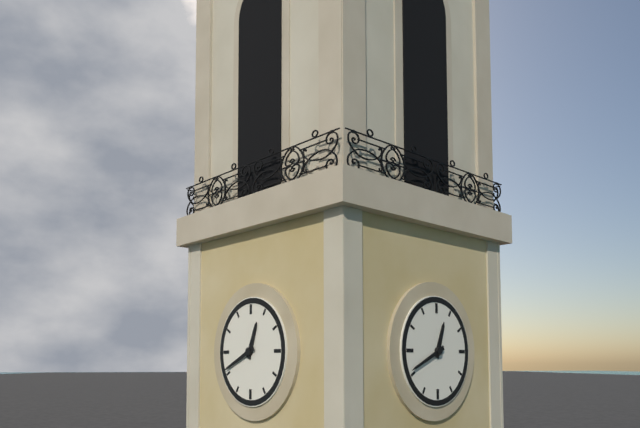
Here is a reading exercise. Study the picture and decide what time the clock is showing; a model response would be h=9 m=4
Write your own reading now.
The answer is h=12 m=41
